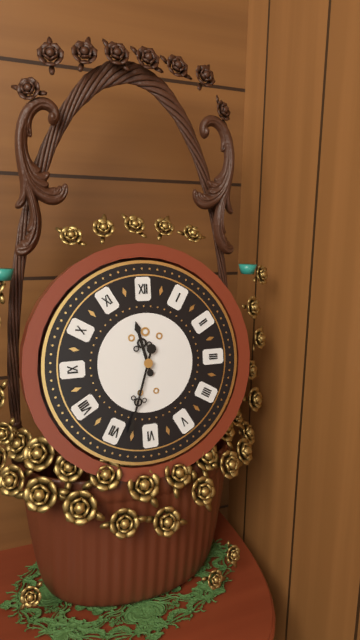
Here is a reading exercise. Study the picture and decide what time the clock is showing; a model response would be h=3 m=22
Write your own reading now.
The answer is h=11 m=33
